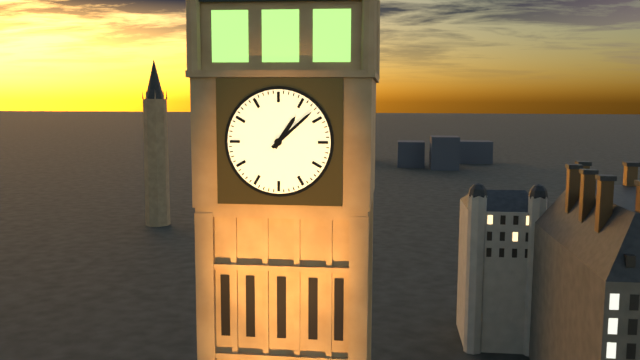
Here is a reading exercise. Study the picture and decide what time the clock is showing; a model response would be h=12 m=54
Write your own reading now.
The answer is h=1 m=8
